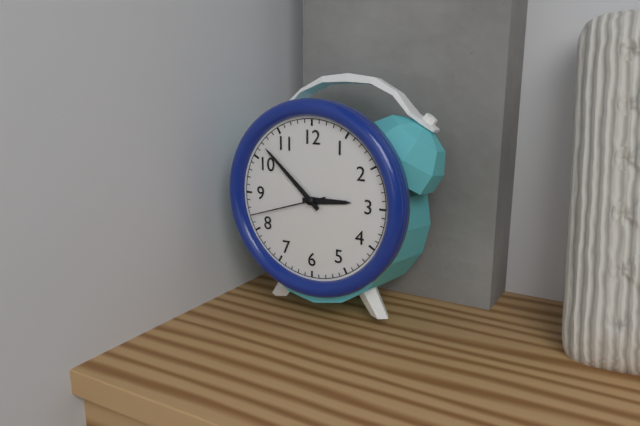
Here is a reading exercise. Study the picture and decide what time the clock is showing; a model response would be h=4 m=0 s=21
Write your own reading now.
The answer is h=2 m=52 s=42
